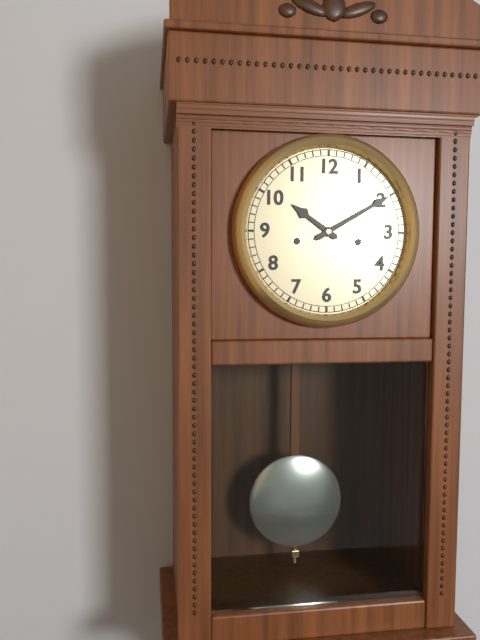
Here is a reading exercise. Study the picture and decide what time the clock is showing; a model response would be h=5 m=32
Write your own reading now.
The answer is h=10 m=10
